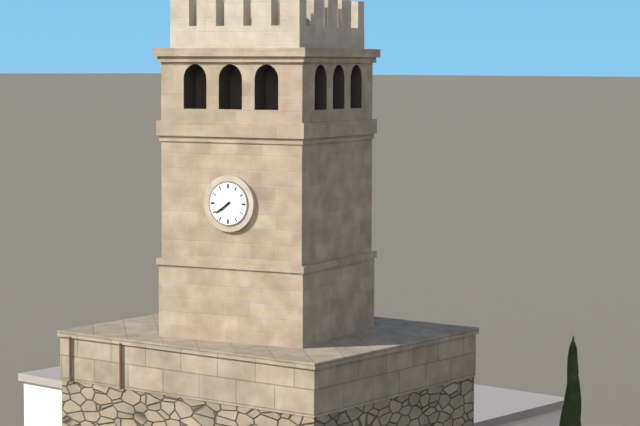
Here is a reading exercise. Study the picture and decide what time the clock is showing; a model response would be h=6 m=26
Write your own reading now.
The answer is h=7 m=39
